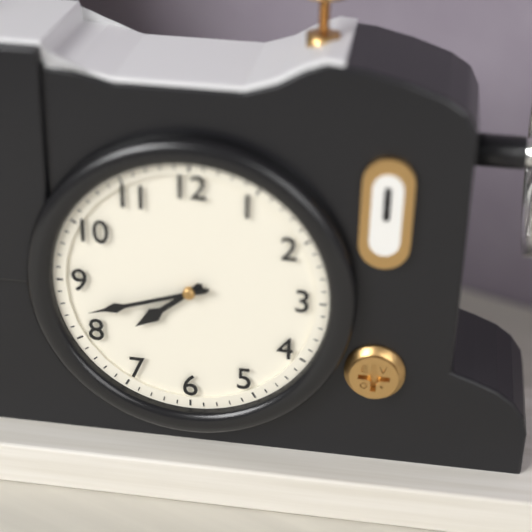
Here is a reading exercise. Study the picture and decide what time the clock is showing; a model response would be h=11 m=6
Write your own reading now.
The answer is h=7 m=42
